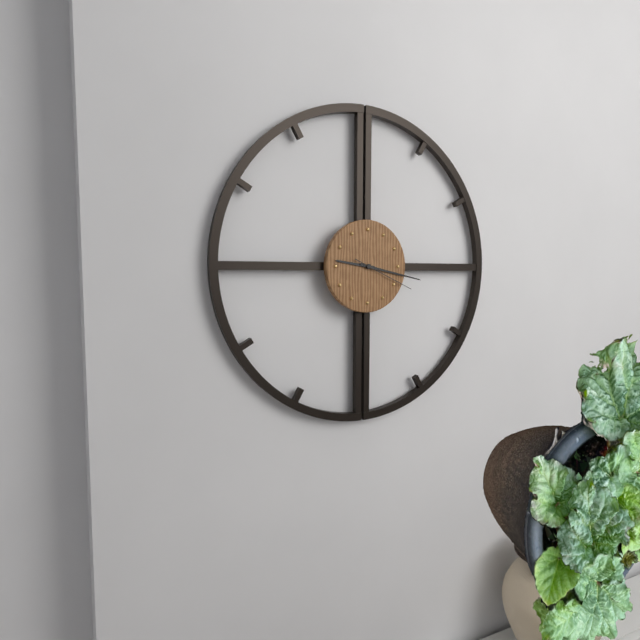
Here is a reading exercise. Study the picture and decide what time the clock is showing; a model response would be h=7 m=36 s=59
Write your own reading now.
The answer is h=9 m=17 s=19
